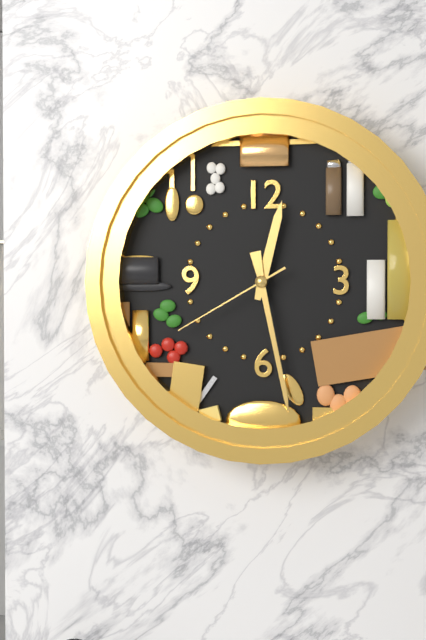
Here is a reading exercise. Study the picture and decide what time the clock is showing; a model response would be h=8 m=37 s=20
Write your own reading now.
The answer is h=12 m=28 s=40
